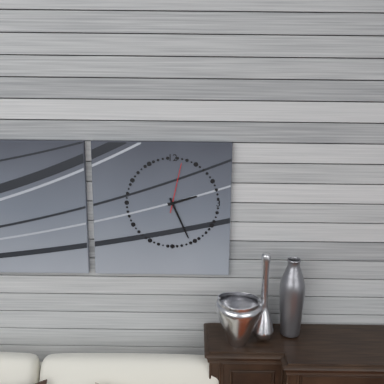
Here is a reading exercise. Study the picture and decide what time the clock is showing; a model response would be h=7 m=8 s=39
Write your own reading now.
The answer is h=2 m=26 s=2
